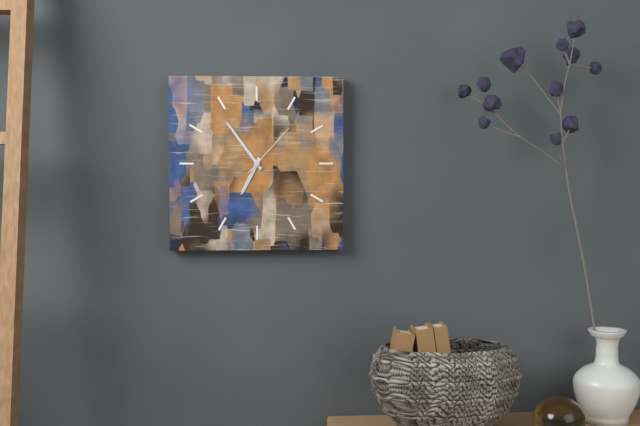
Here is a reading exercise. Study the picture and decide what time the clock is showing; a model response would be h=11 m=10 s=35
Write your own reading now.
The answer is h=6 m=54 s=7
